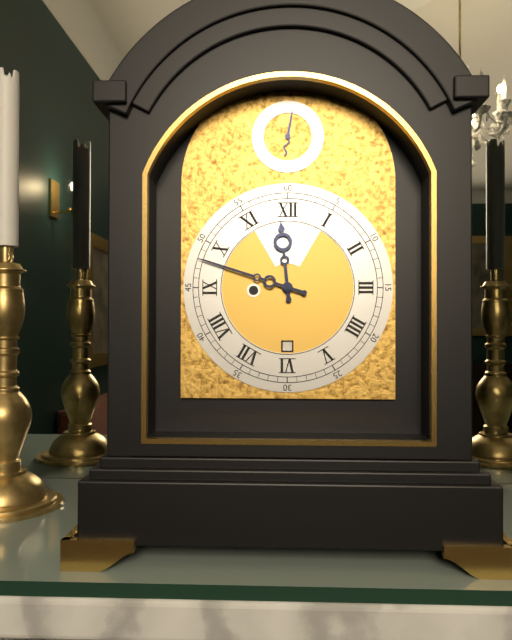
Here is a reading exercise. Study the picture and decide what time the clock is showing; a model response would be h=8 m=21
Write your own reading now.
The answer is h=11 m=48
